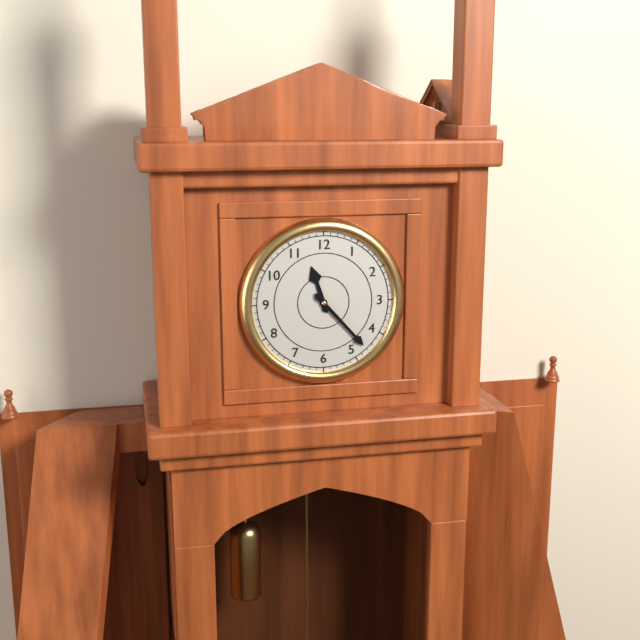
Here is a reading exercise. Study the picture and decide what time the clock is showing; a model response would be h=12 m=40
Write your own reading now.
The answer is h=11 m=23
